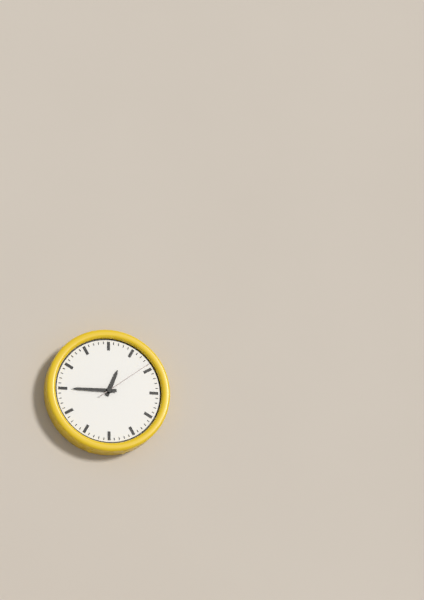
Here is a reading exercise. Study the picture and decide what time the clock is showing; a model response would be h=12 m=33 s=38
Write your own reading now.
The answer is h=12 m=45 s=9
